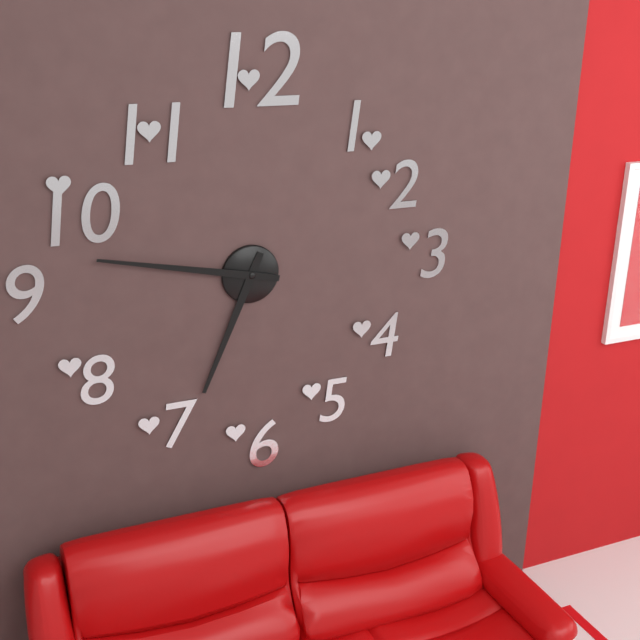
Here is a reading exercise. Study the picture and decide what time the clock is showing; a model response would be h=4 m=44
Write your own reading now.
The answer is h=6 m=47
